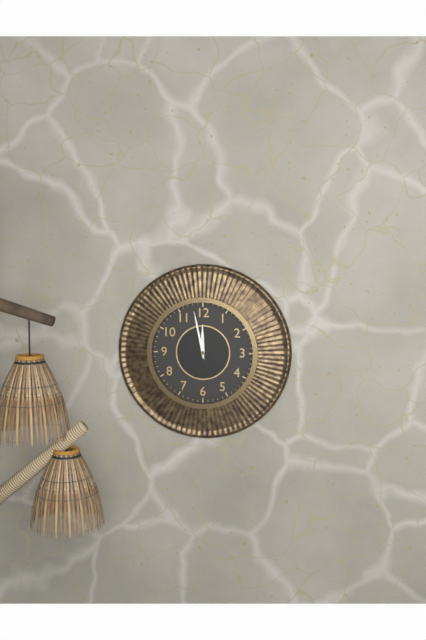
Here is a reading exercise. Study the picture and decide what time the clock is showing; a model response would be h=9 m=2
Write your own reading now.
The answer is h=11 m=58
